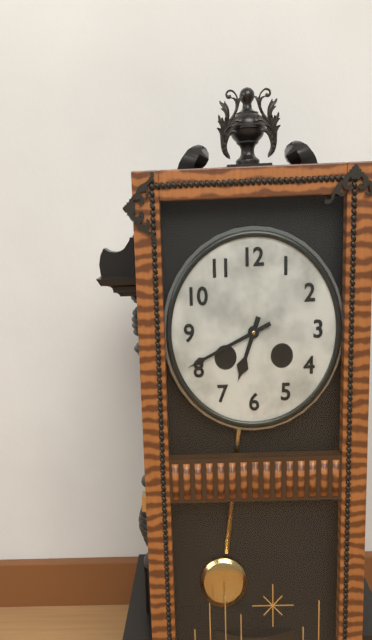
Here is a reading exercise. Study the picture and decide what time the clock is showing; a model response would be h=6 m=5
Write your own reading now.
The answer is h=6 m=41
